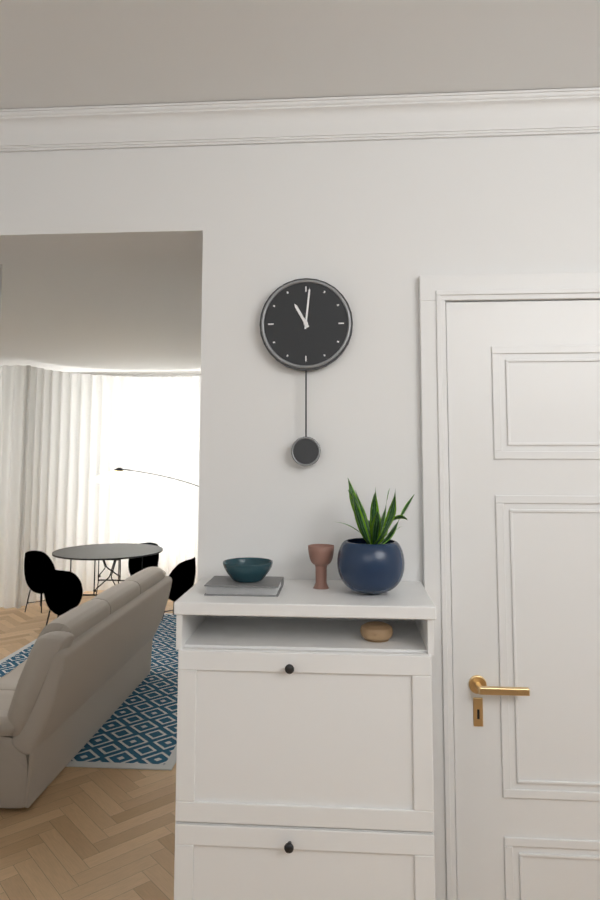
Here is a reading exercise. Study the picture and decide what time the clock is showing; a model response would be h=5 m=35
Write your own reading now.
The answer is h=11 m=1
